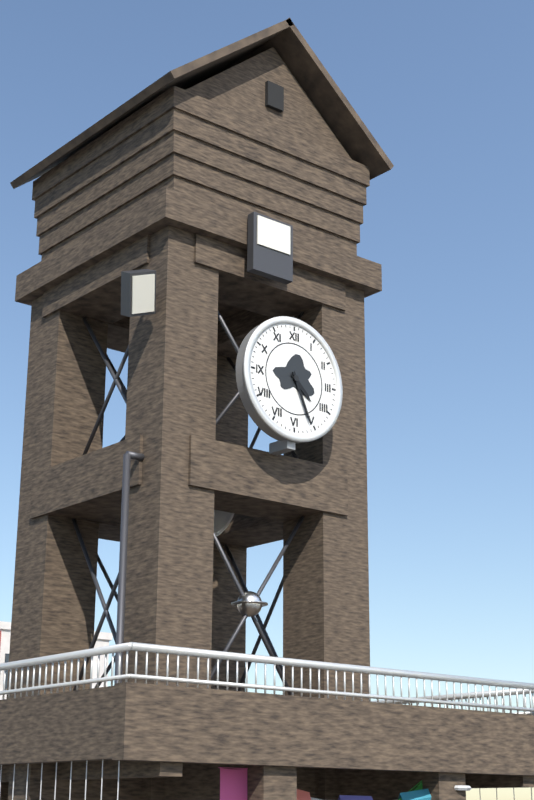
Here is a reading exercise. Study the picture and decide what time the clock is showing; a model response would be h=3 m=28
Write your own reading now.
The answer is h=4 m=26
